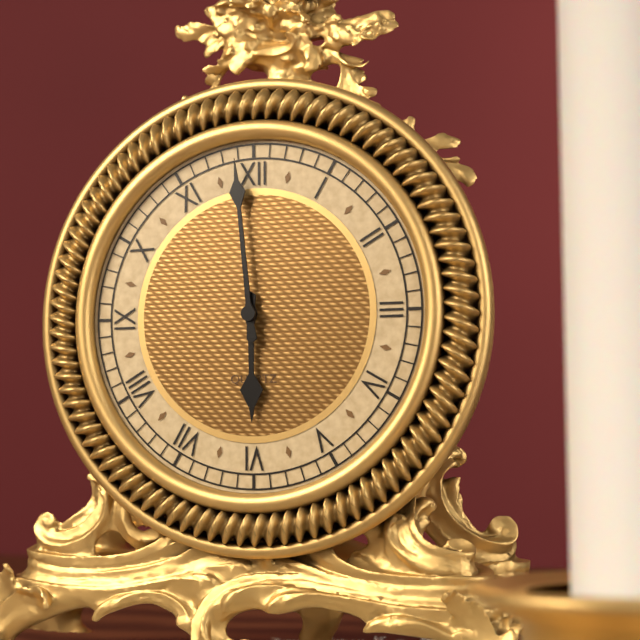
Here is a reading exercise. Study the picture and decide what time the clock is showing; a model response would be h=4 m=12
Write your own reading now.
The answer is h=5 m=59
